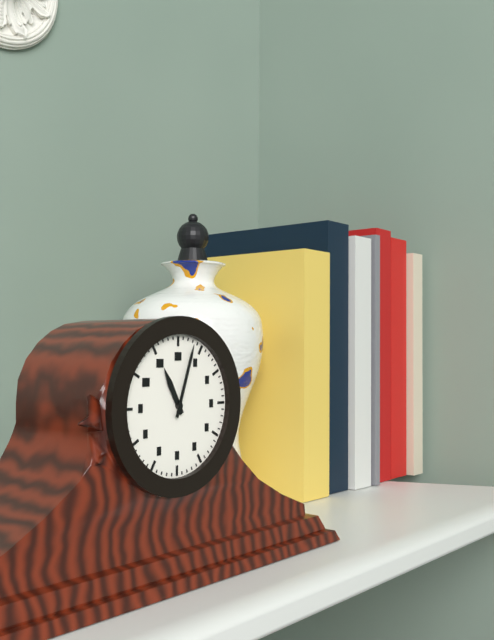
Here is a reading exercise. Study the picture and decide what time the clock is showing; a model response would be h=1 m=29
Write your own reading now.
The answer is h=11 m=3
